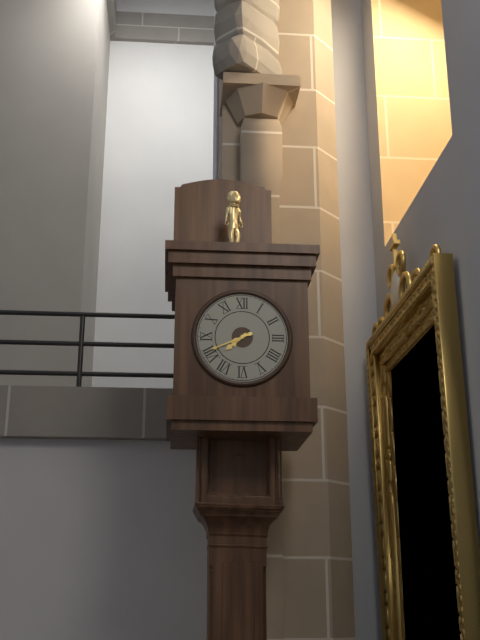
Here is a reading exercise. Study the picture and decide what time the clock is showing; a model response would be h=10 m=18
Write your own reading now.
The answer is h=7 m=41
